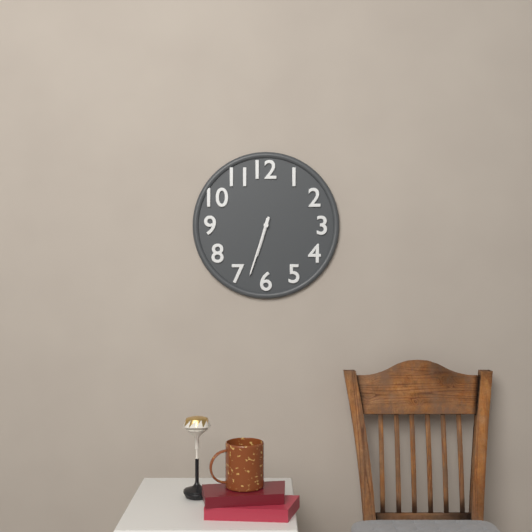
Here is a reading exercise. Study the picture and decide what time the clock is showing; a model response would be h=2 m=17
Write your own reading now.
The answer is h=6 m=33
